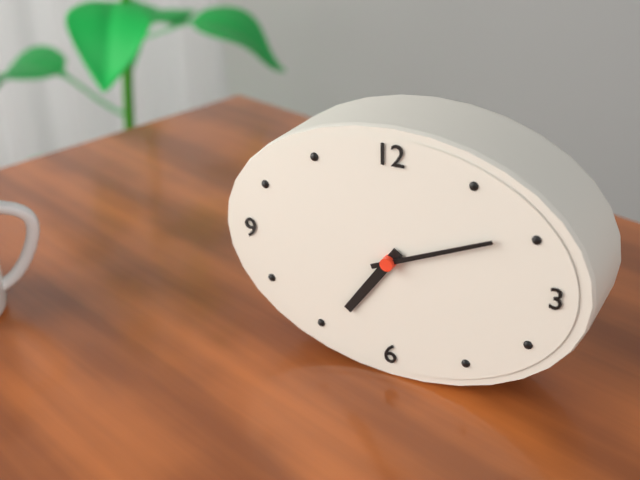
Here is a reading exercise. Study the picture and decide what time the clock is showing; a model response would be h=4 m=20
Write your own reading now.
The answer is h=7 m=11
